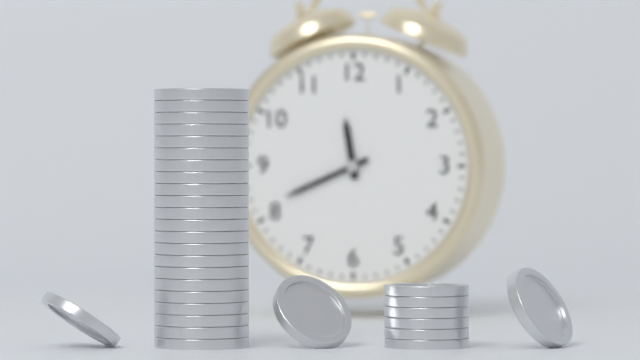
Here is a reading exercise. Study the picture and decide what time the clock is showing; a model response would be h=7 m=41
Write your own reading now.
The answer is h=11 m=41
